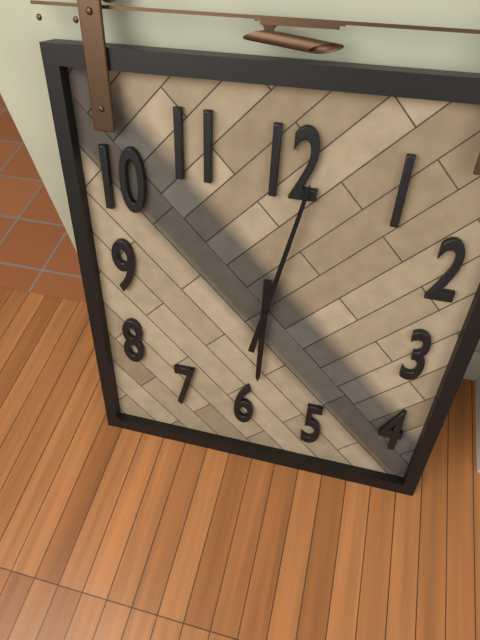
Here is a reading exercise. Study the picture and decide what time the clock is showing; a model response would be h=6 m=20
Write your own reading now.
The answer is h=6 m=2
